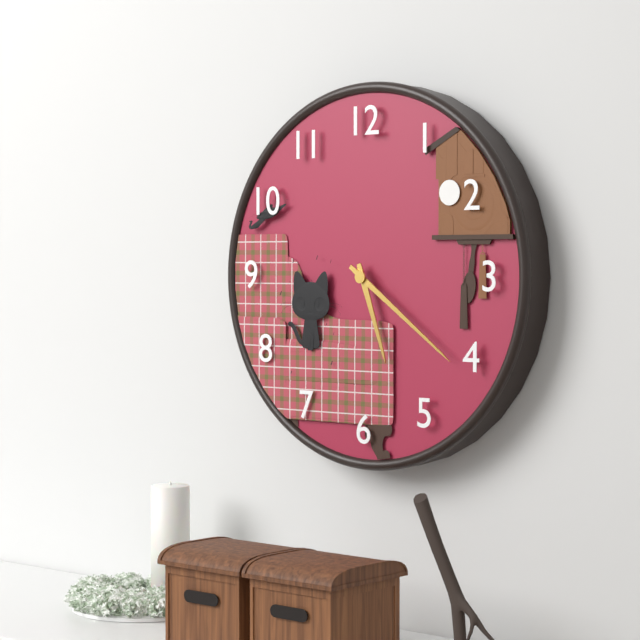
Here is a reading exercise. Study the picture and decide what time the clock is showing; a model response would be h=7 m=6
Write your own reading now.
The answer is h=5 m=21
